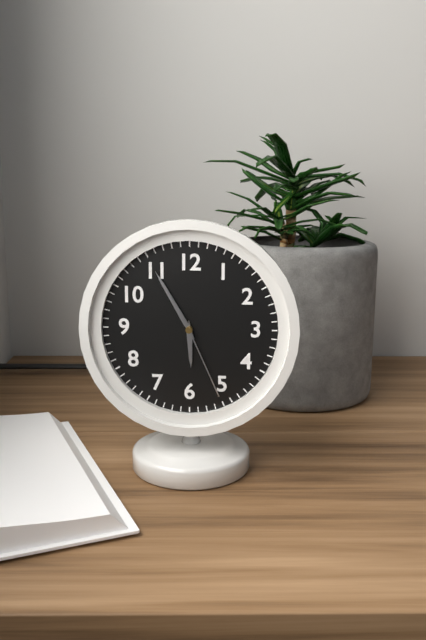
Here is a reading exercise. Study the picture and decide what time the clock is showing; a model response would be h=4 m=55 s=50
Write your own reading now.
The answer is h=5 m=55 s=26
